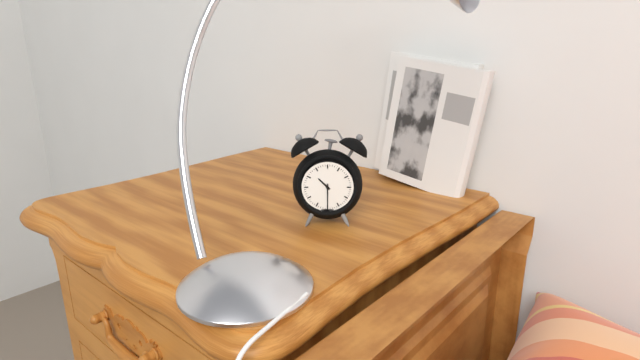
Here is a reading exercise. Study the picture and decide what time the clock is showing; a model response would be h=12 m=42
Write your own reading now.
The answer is h=10 m=30
